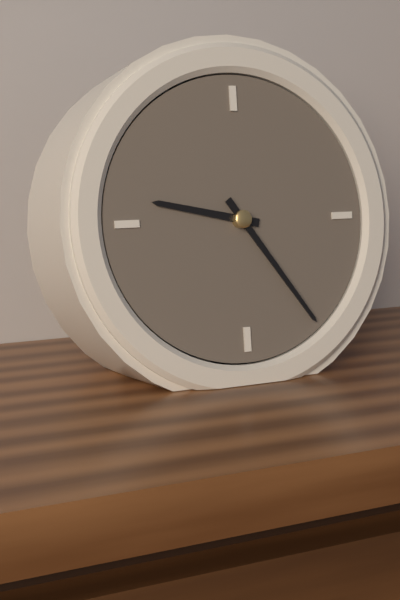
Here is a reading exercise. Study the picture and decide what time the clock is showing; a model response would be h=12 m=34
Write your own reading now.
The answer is h=9 m=24
